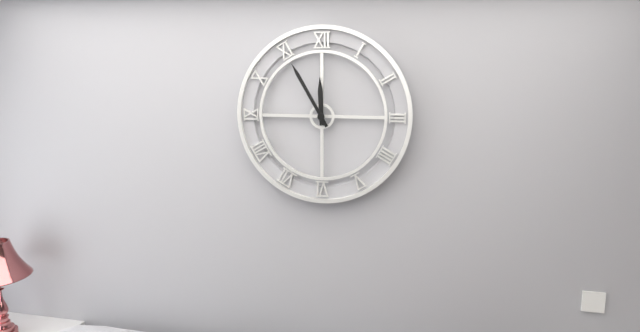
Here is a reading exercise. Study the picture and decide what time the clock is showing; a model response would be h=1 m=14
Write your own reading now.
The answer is h=11 m=55
